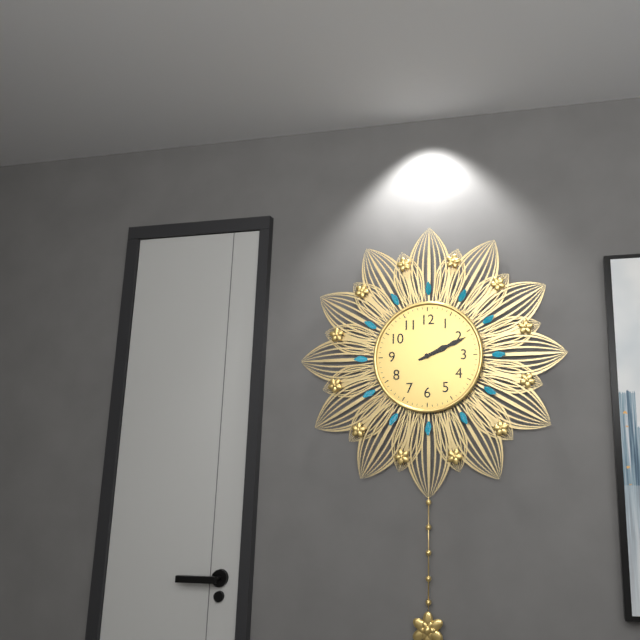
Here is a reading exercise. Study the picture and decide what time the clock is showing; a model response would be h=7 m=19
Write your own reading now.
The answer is h=2 m=11
